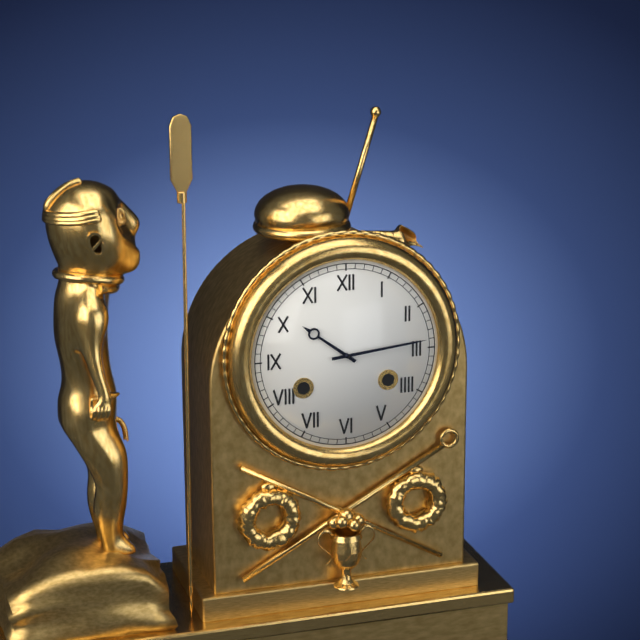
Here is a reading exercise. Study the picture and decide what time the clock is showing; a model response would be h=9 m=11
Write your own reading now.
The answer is h=10 m=14
